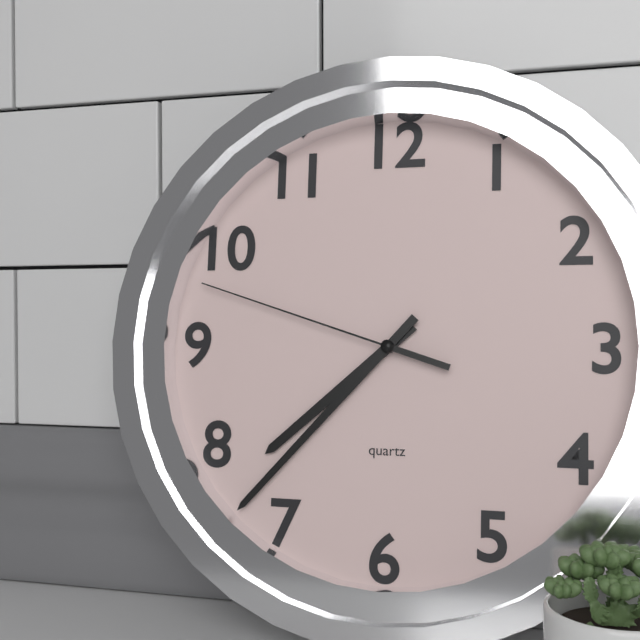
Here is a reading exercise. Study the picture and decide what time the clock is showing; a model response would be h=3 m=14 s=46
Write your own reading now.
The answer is h=7 m=37 s=48
